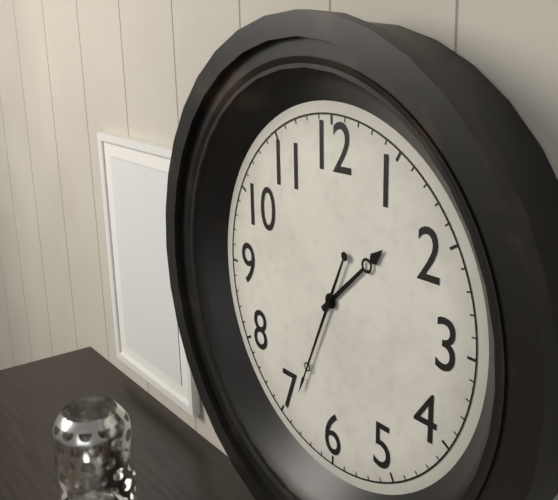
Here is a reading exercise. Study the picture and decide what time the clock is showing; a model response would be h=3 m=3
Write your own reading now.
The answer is h=1 m=34
